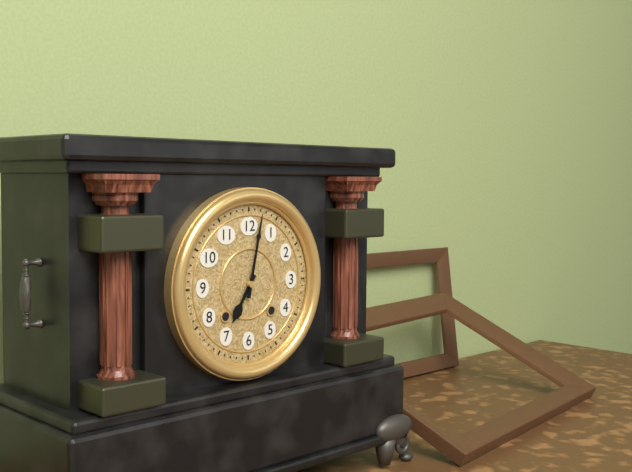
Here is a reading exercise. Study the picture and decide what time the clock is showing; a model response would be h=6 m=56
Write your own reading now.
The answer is h=7 m=2
